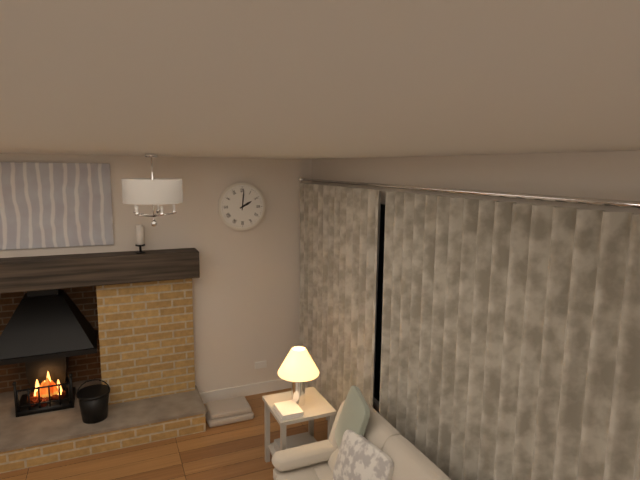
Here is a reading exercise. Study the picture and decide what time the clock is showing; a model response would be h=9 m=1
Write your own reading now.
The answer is h=2 m=1
